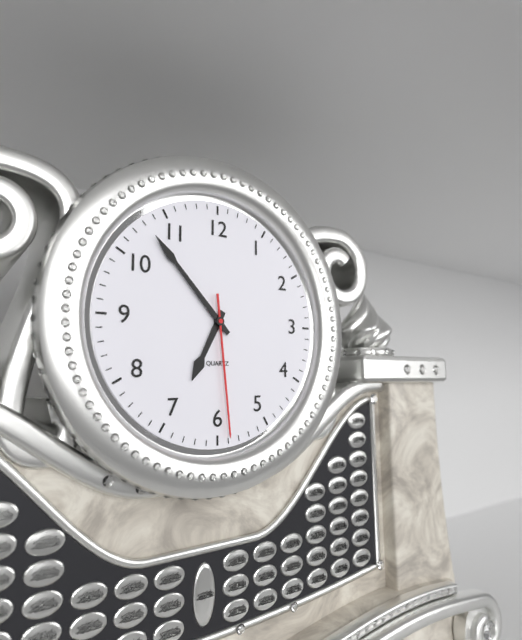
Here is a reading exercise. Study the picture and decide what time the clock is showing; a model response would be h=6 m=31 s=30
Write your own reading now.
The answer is h=6 m=53 s=29
